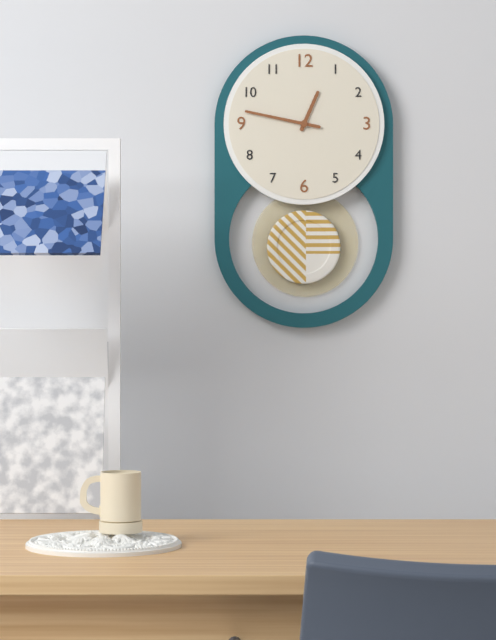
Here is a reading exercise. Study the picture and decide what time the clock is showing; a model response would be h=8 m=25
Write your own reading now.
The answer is h=12 m=47
